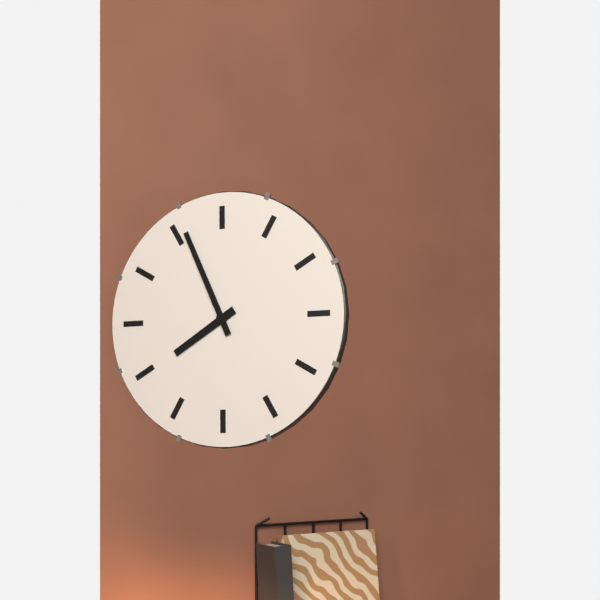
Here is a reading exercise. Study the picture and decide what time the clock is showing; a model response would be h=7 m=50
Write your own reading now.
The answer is h=7 m=56
